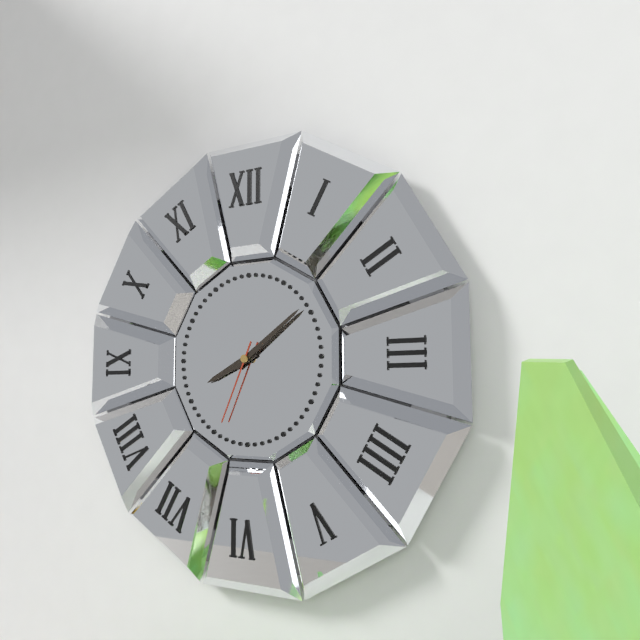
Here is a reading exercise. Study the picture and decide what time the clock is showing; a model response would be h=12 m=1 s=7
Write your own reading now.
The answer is h=8 m=9 s=34
